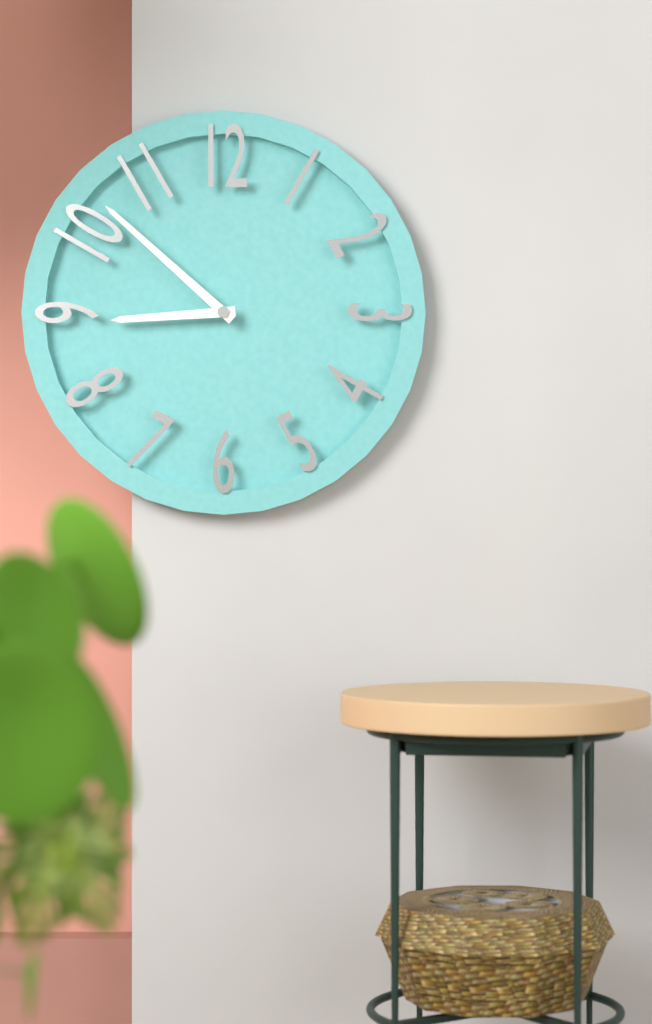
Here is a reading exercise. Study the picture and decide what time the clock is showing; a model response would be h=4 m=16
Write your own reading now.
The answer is h=8 m=52
